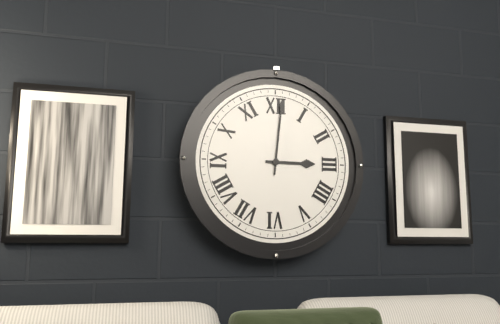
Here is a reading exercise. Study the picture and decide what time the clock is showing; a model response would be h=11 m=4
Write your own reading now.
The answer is h=3 m=1
